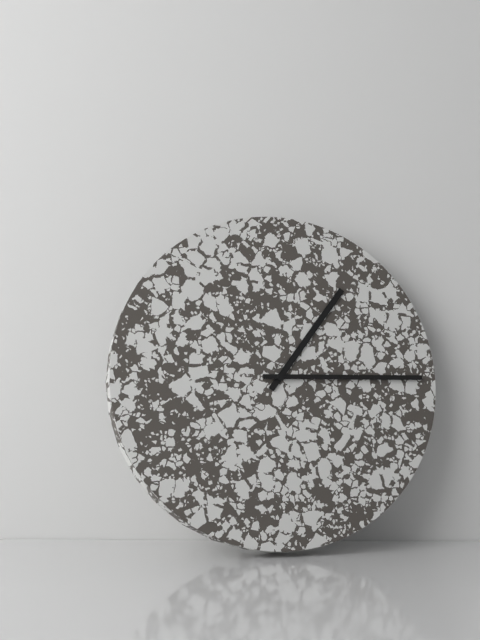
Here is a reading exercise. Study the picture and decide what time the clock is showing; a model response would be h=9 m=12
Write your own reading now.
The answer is h=1 m=15
